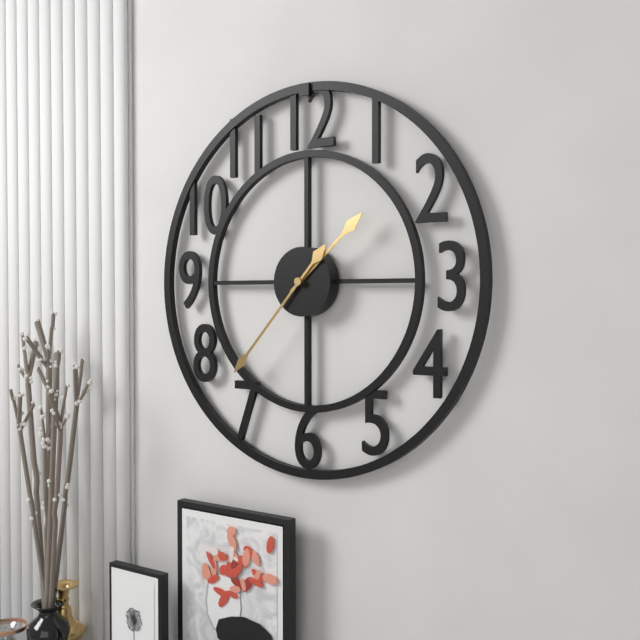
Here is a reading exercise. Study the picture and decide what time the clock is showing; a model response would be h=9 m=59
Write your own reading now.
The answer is h=1 m=37
